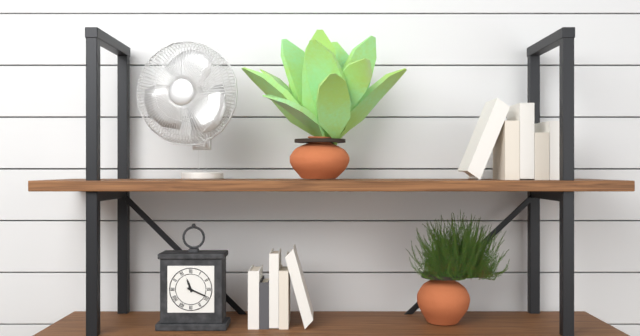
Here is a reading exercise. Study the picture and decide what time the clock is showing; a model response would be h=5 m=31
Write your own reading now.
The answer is h=11 m=19
